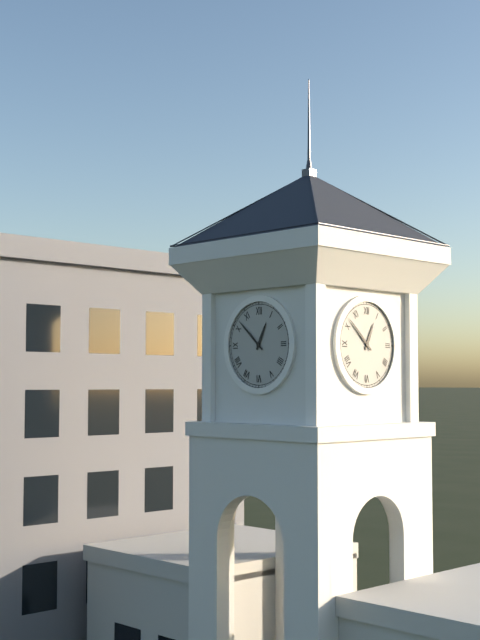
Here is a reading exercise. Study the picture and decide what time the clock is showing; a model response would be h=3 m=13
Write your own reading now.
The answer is h=12 m=52
